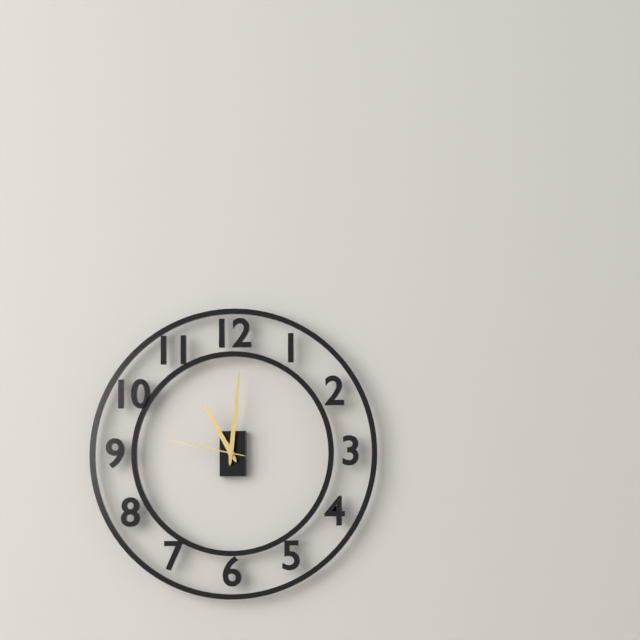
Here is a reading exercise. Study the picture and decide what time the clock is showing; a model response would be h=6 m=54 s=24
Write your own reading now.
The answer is h=11 m=1 s=47
